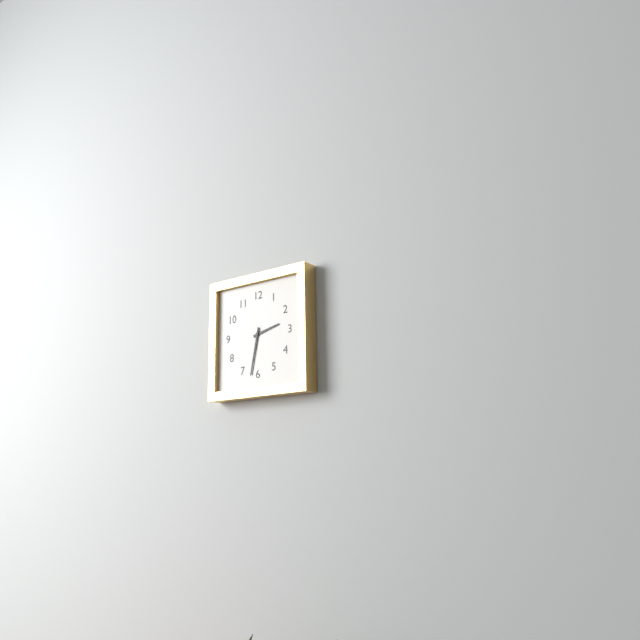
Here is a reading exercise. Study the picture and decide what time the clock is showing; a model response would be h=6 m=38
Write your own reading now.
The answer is h=2 m=32
